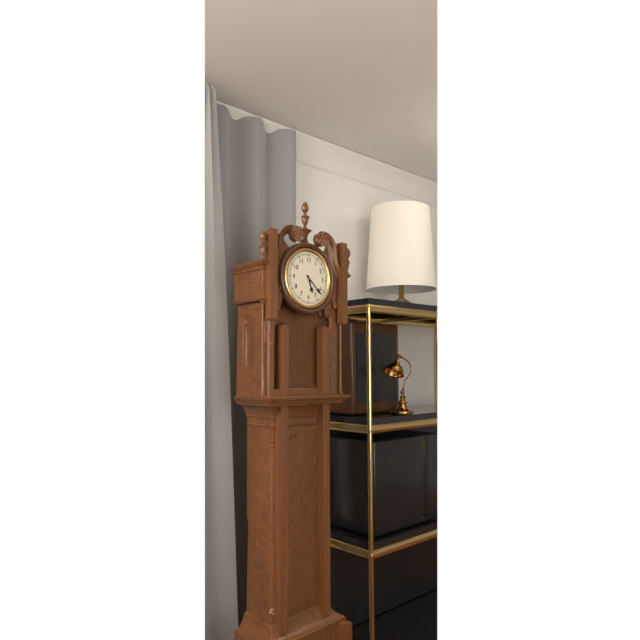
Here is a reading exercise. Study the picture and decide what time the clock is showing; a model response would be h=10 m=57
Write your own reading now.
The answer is h=5 m=22
